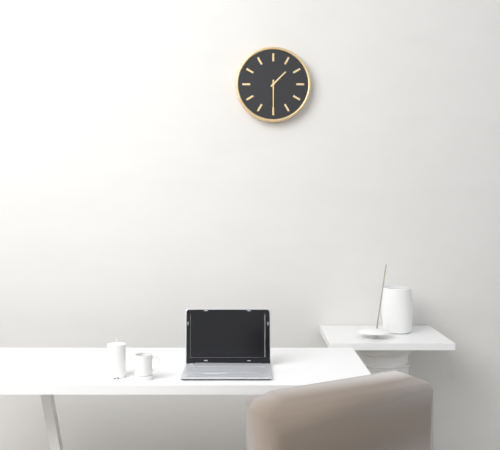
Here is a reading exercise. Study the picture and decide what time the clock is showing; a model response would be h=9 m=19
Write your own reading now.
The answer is h=1 m=30
